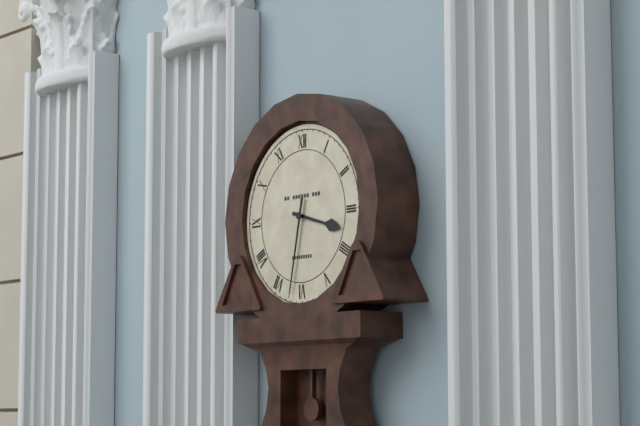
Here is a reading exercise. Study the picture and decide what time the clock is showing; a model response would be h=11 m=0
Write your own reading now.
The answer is h=3 m=32
